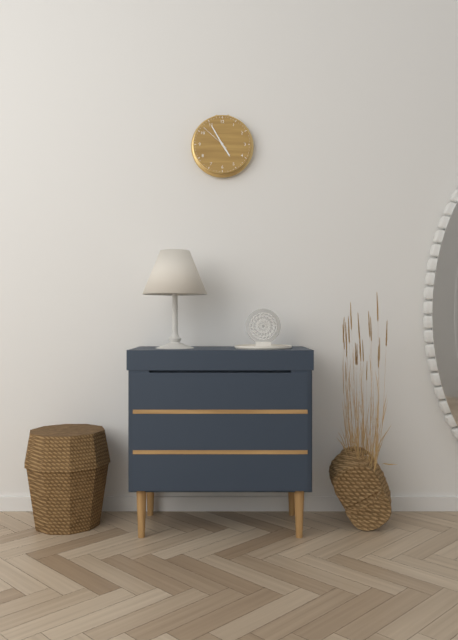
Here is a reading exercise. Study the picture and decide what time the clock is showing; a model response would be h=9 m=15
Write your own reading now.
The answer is h=4 m=55
